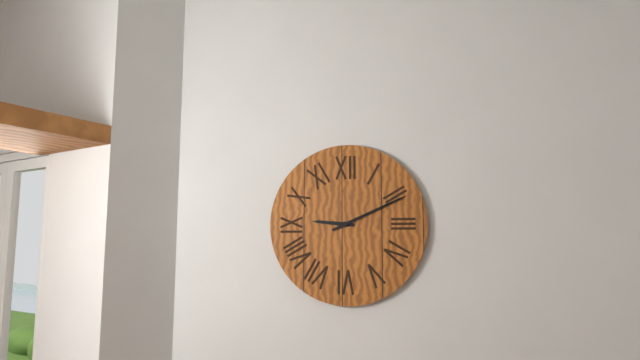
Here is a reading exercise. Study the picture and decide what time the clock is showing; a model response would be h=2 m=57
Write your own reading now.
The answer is h=9 m=11
